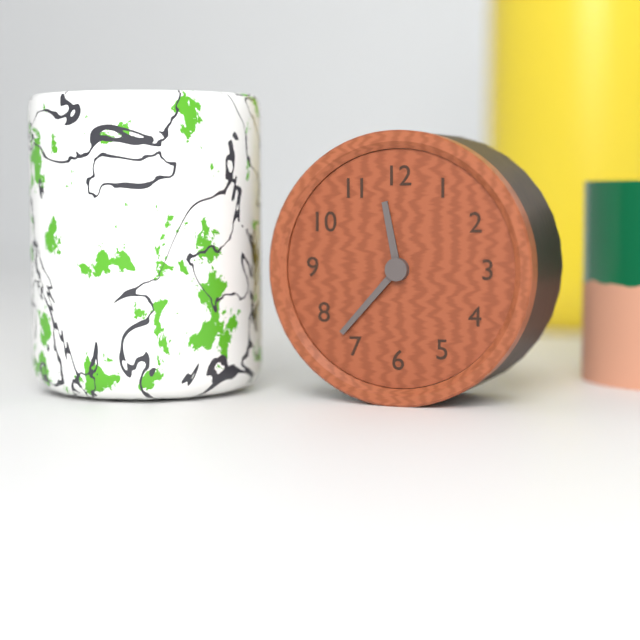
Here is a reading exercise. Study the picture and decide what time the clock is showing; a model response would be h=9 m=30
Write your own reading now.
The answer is h=11 m=37
